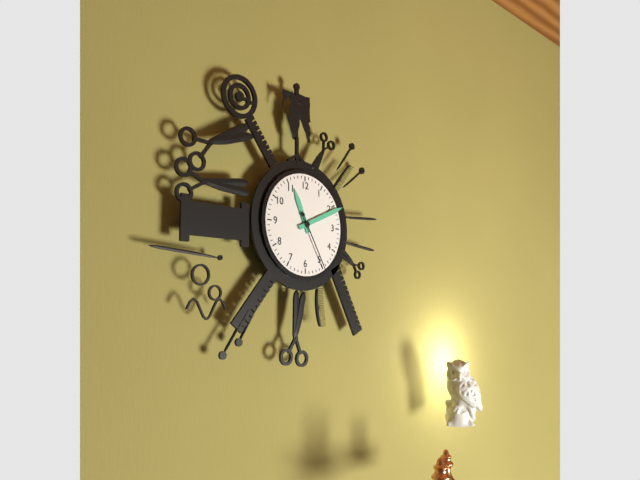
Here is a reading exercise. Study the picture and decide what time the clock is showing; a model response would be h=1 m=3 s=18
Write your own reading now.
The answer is h=11 m=11 s=25
